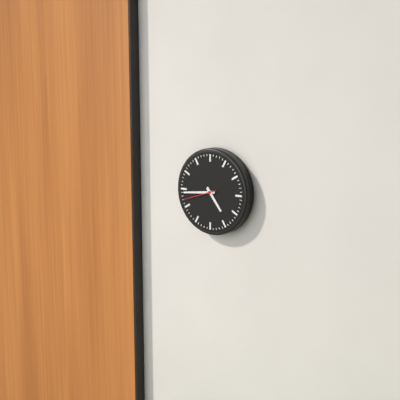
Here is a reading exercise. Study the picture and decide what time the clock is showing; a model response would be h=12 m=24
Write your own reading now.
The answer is h=4 m=44
